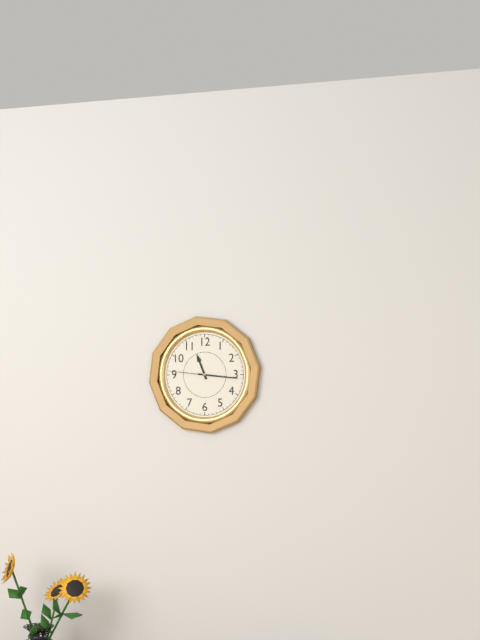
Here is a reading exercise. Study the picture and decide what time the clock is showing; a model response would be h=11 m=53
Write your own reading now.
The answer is h=11 m=16
